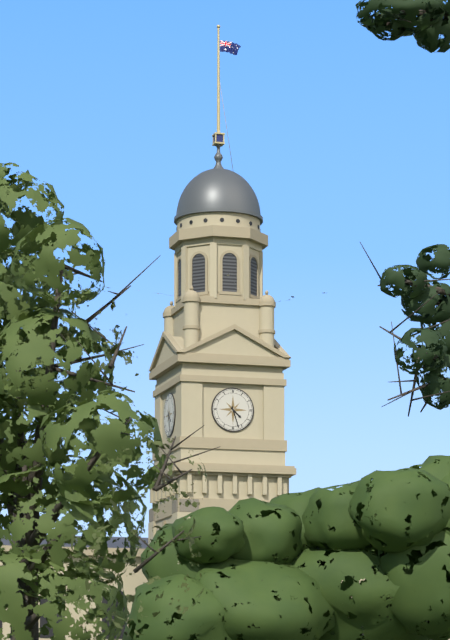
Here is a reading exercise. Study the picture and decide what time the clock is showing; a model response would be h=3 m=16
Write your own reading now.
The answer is h=4 m=27
